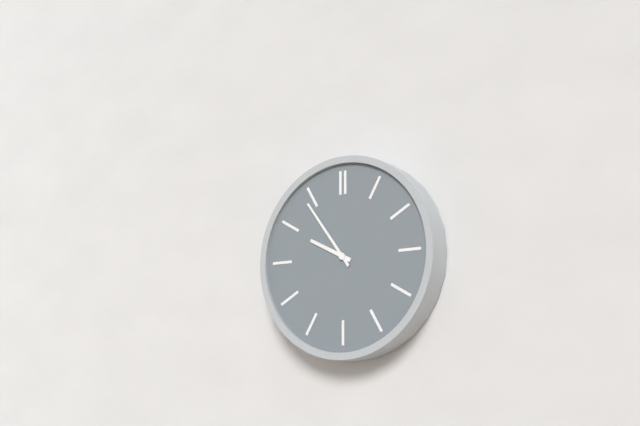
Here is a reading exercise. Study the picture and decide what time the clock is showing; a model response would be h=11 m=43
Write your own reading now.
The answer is h=9 m=54
